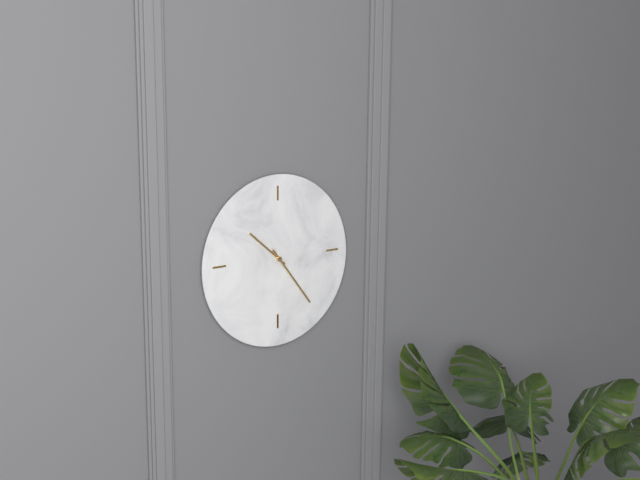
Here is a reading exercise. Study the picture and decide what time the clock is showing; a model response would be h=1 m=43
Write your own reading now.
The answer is h=10 m=24
